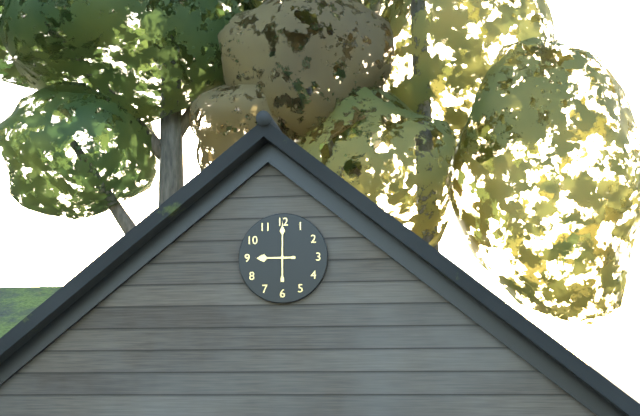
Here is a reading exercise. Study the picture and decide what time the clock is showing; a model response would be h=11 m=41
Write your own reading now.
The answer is h=9 m=0
